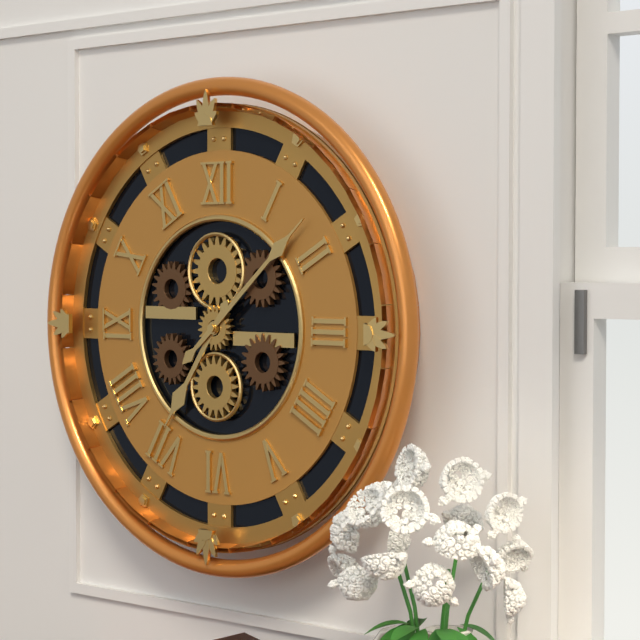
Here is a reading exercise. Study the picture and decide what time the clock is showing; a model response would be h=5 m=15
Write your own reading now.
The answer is h=7 m=8
